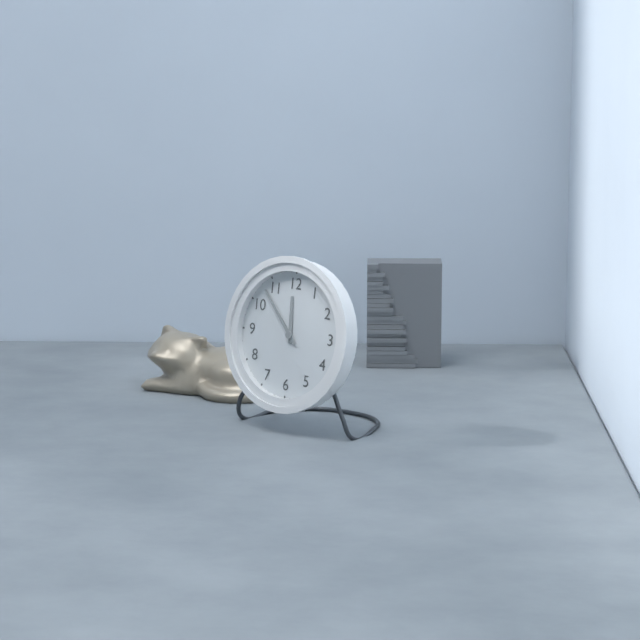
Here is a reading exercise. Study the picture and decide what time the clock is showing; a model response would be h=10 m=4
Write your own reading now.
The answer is h=11 m=53
